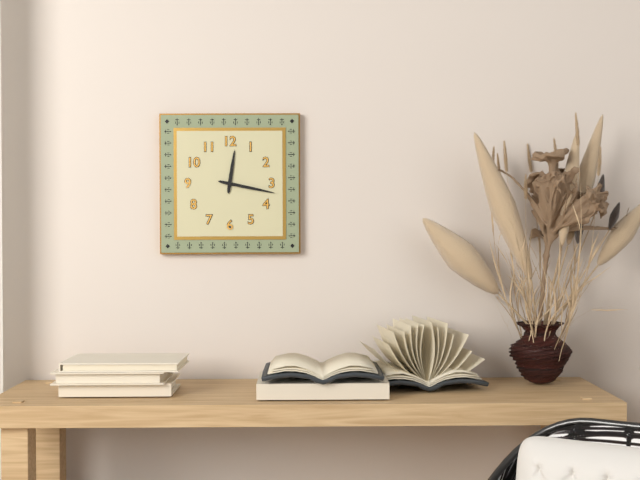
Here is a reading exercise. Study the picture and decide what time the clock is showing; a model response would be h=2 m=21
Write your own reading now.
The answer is h=12 m=17
